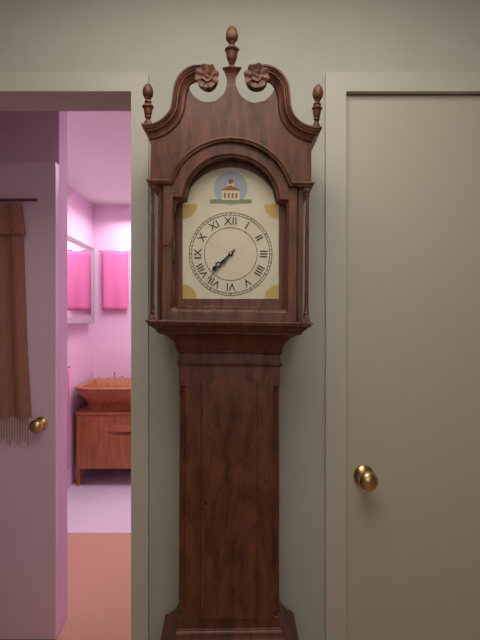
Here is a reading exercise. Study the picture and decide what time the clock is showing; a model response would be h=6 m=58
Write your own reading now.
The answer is h=7 m=37
